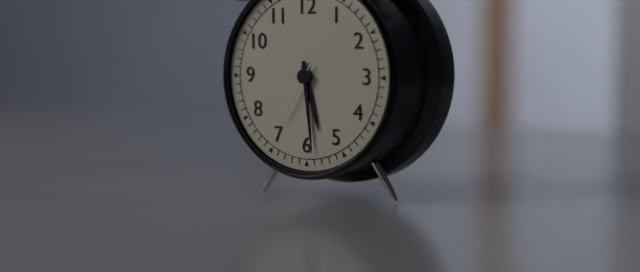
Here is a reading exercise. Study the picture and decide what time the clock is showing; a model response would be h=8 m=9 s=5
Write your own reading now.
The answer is h=5 m=29 s=35
